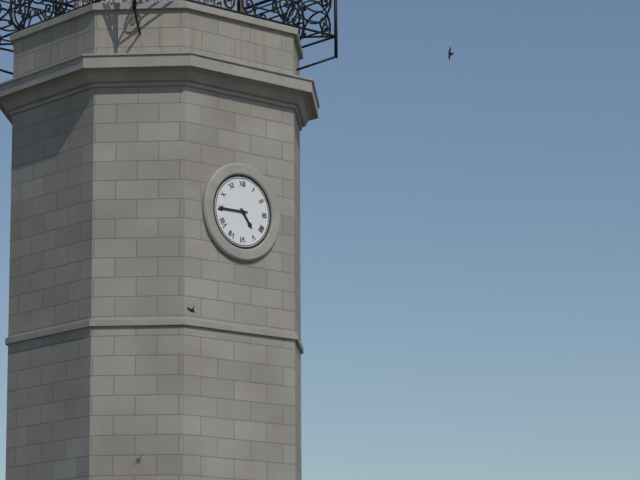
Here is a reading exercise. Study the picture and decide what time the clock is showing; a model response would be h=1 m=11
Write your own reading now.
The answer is h=4 m=45
